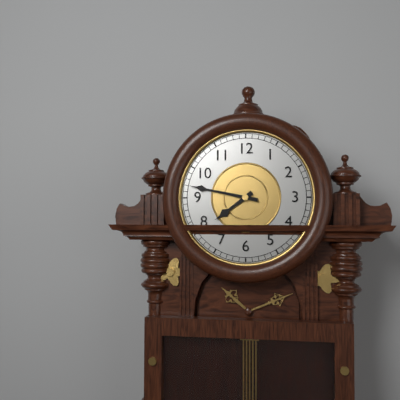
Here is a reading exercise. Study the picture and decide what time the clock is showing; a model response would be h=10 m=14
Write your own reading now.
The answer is h=7 m=47
